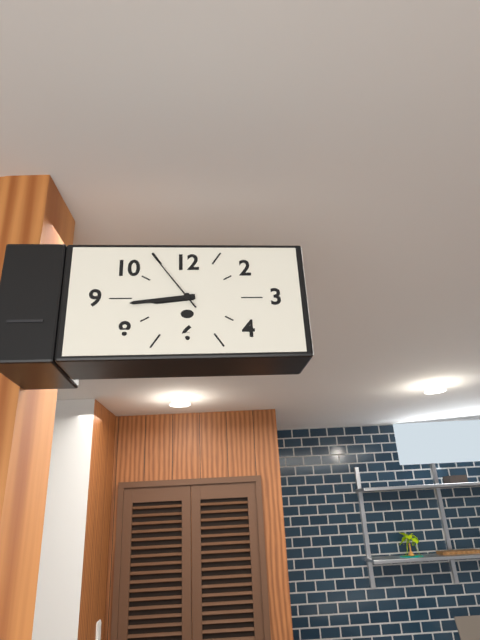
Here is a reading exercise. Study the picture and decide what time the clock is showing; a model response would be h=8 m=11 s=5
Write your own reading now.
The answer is h=8 m=44 s=54
